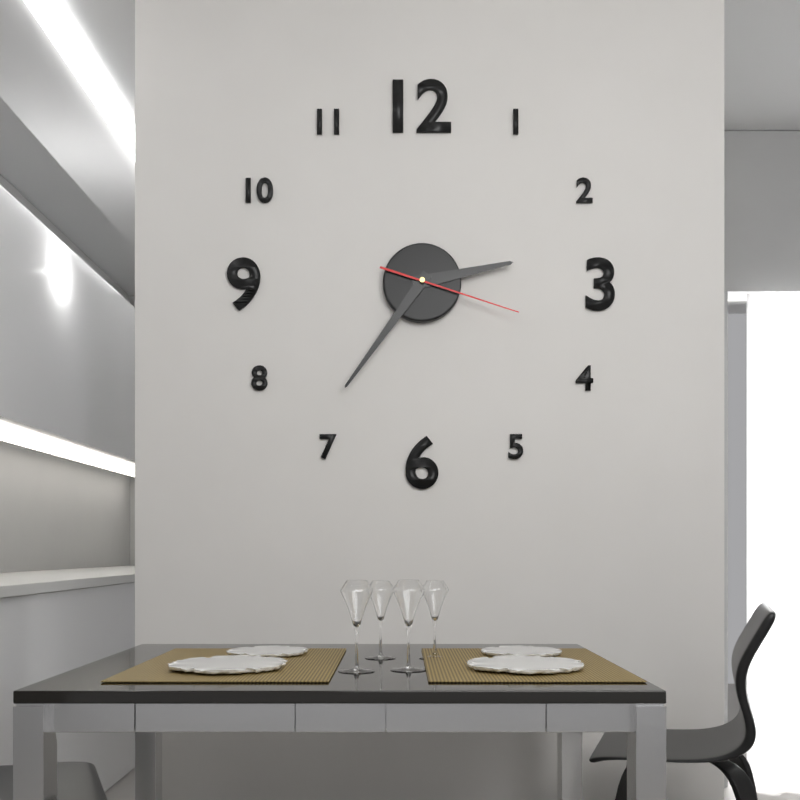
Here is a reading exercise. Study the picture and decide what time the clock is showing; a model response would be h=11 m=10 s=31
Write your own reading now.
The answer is h=2 m=36 s=18
